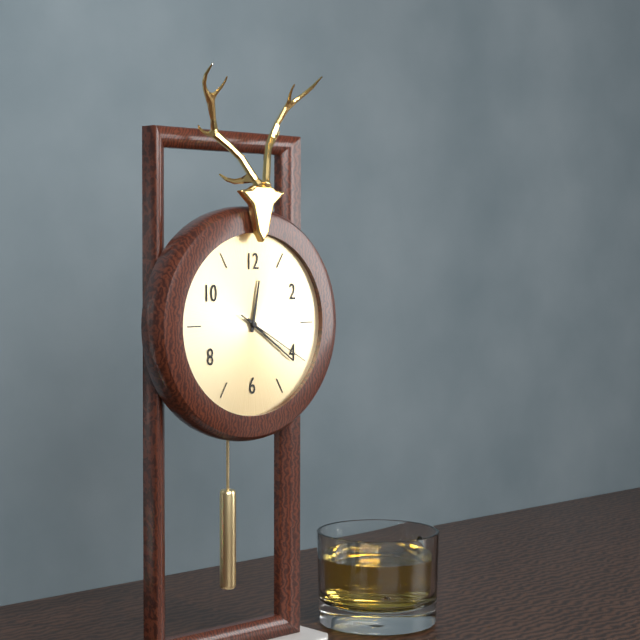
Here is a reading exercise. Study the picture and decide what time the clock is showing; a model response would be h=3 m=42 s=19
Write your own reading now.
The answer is h=12 m=21 s=20
